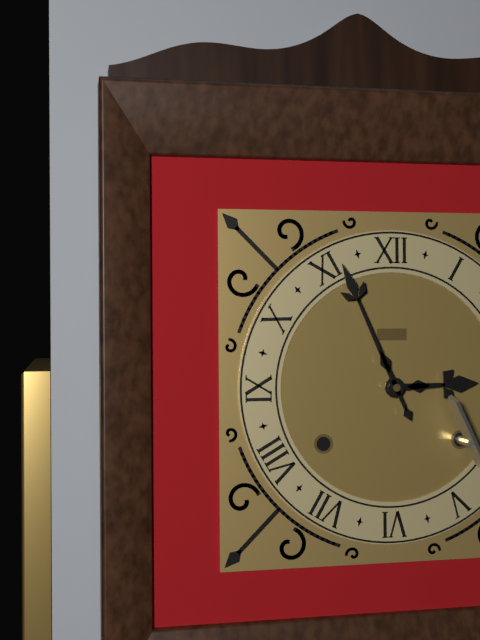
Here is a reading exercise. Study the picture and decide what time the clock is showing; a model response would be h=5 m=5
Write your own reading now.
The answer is h=2 m=56
